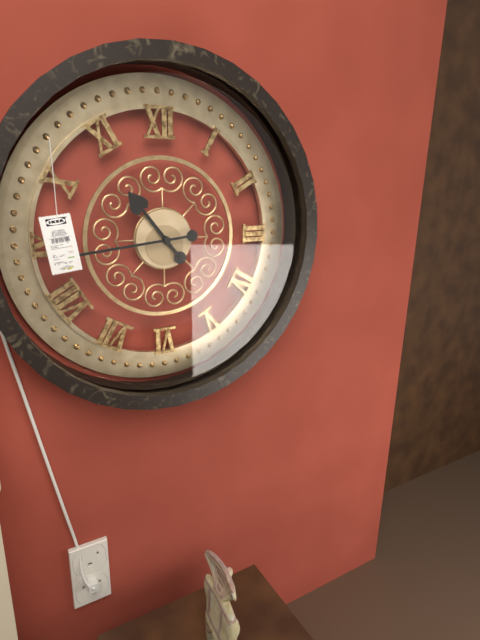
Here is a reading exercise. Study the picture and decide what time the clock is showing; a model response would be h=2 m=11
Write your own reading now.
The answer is h=10 m=44
